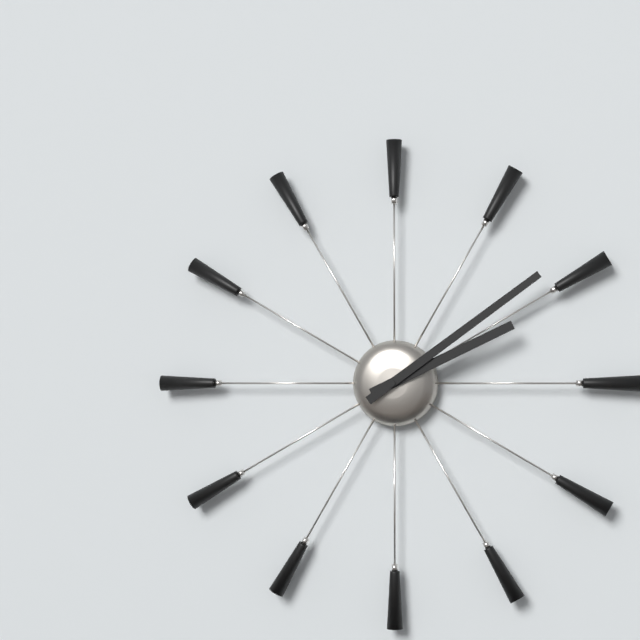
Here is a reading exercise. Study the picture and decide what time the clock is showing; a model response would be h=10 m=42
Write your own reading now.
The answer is h=2 m=9
